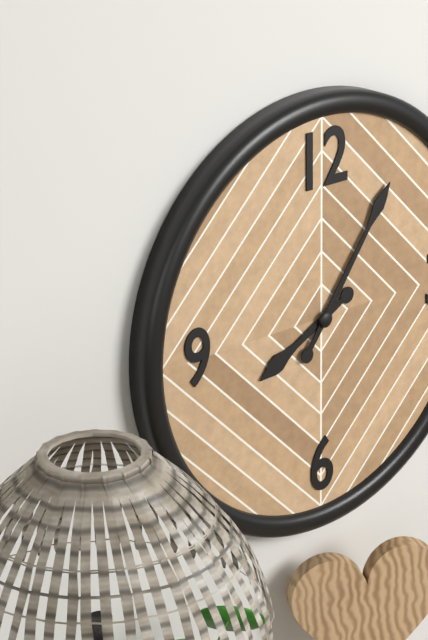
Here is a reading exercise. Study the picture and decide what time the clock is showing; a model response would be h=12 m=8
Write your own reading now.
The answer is h=8 m=6
